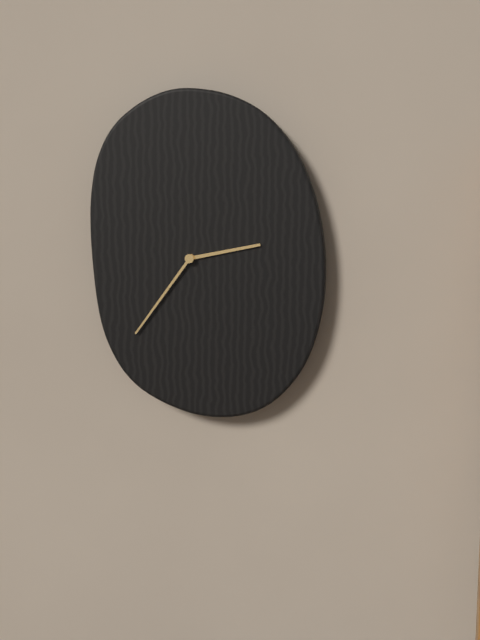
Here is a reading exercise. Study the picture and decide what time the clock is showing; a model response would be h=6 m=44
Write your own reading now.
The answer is h=2 m=36
